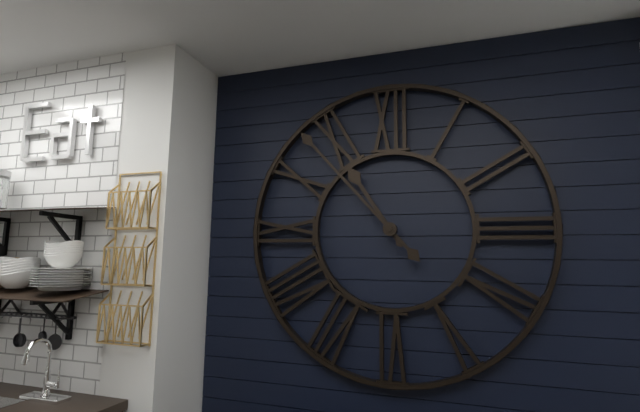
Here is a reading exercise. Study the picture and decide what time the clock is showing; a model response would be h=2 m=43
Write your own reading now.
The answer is h=10 m=53
